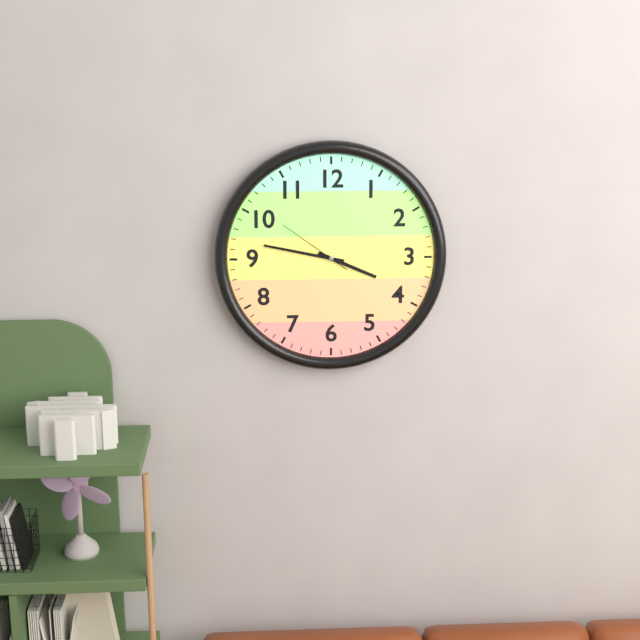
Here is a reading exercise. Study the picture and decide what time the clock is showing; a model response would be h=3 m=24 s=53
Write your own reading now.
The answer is h=3 m=47 s=51
